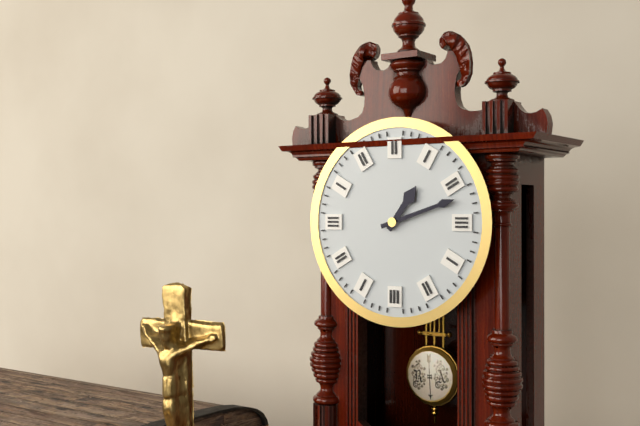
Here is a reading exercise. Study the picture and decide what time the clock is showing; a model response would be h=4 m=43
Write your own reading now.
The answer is h=1 m=12
